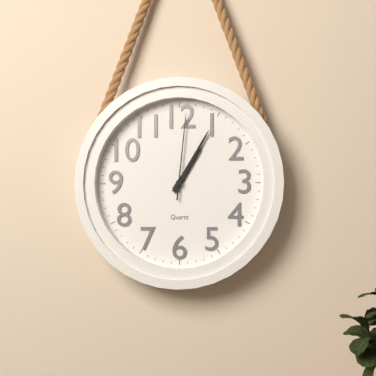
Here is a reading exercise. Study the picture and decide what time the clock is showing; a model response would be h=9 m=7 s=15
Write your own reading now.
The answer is h=1 m=5 s=1
